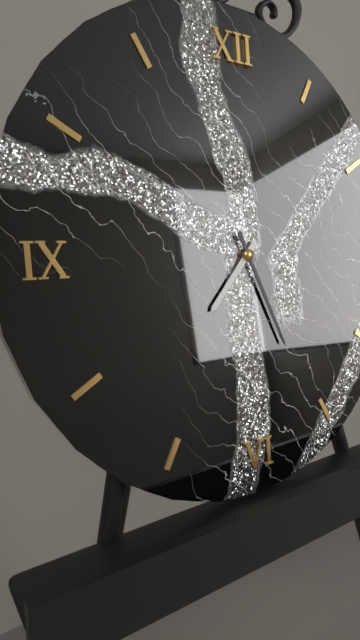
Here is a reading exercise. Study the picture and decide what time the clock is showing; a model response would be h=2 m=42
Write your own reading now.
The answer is h=7 m=26
